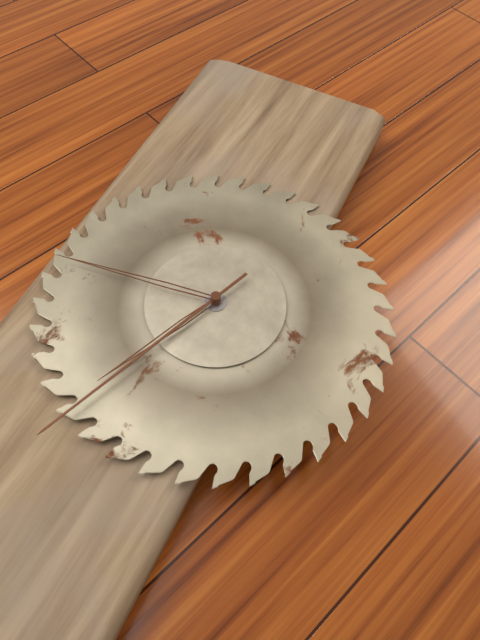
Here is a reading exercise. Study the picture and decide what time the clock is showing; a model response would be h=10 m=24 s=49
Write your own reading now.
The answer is h=6 m=43 s=33
